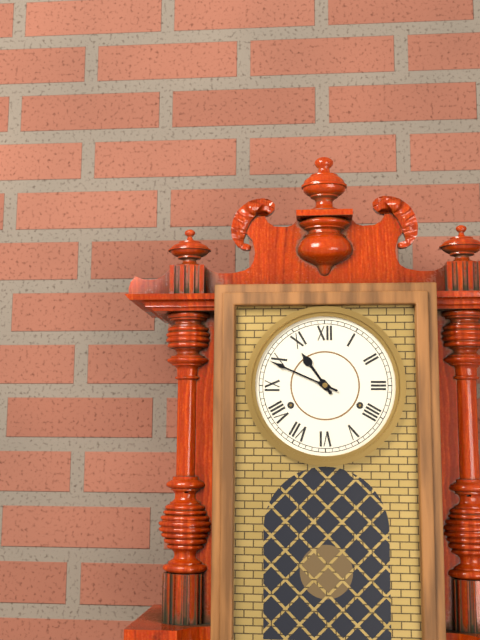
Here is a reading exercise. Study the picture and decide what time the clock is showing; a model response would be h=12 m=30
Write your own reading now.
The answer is h=10 m=49
